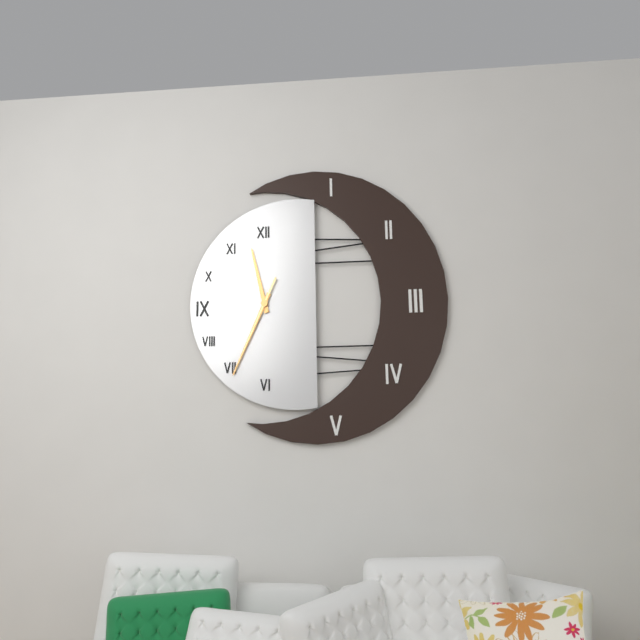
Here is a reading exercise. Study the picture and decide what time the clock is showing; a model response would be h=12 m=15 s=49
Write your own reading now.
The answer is h=11 m=34 s=34
